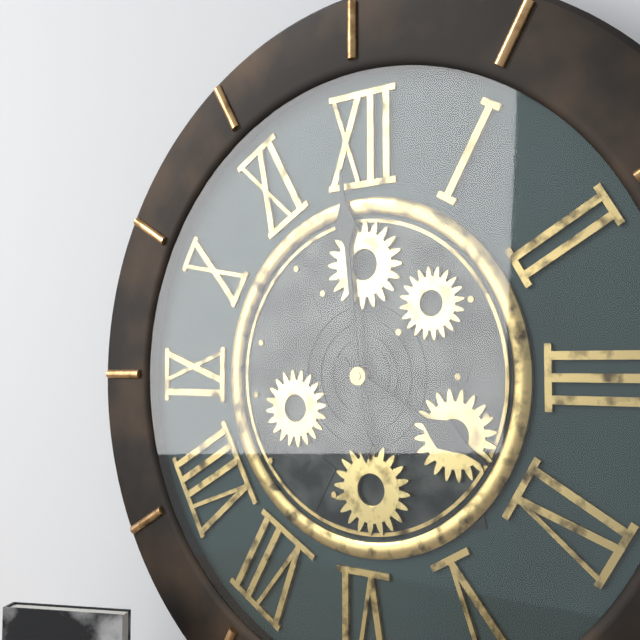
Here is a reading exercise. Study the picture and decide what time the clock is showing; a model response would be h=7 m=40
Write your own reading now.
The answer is h=3 m=59
